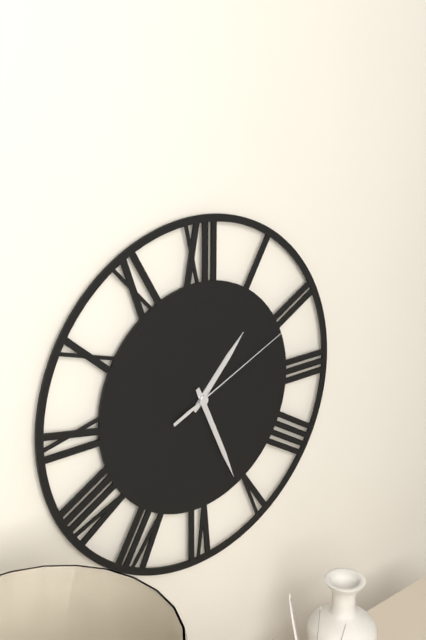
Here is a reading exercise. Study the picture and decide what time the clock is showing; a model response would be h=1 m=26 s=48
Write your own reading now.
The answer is h=1 m=26 s=11
